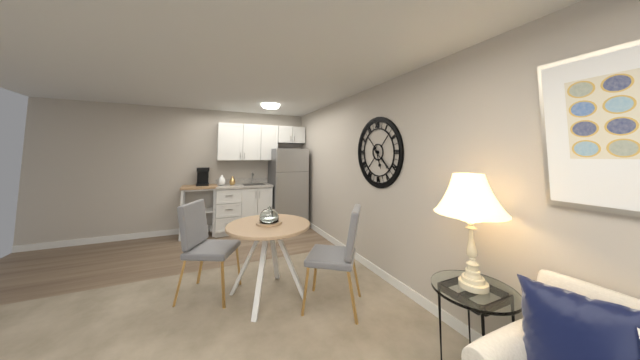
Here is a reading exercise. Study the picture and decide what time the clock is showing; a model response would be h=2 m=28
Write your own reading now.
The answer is h=5 m=22
